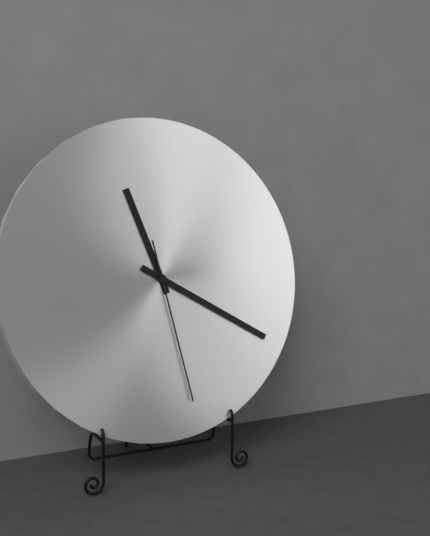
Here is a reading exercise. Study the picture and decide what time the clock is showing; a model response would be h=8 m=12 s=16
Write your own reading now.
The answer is h=11 m=20 s=28
